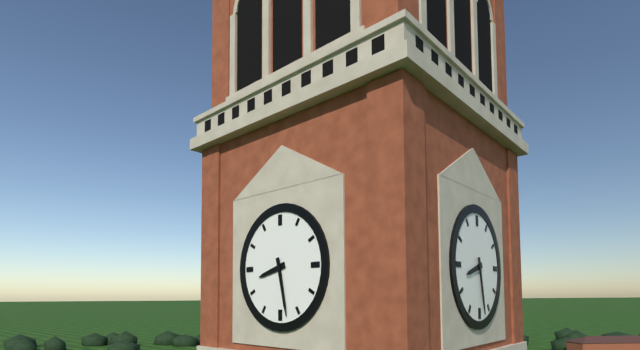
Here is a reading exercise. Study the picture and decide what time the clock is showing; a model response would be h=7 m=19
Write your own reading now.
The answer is h=8 m=28
